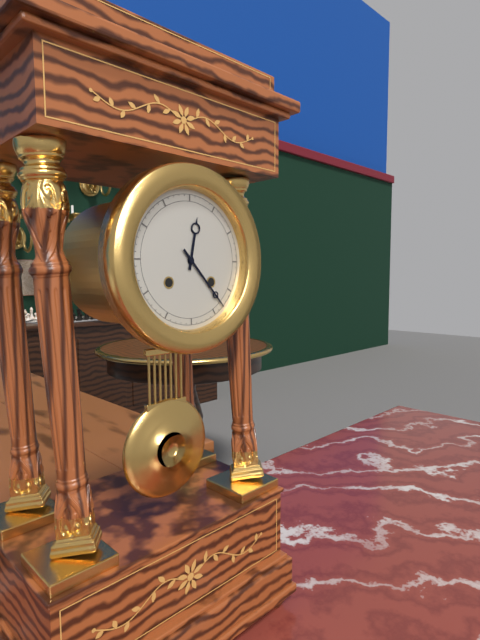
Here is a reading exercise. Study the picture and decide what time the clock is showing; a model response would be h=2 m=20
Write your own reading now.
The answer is h=12 m=23
